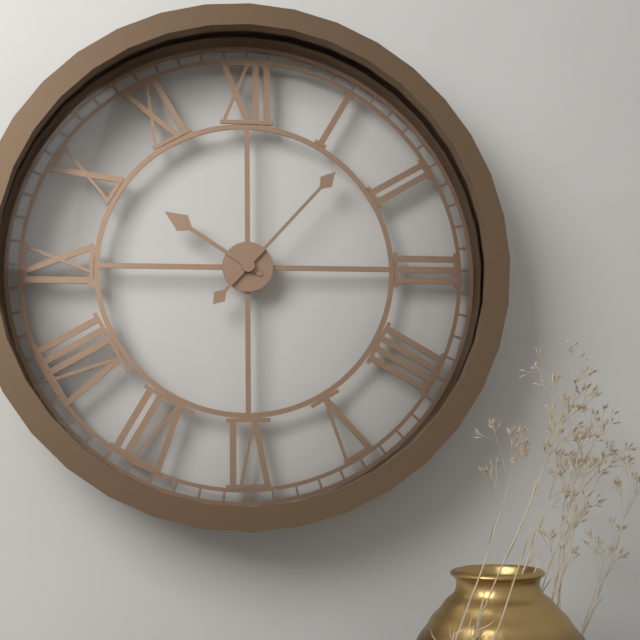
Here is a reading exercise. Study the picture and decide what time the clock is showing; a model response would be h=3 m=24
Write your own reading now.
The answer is h=10 m=7
